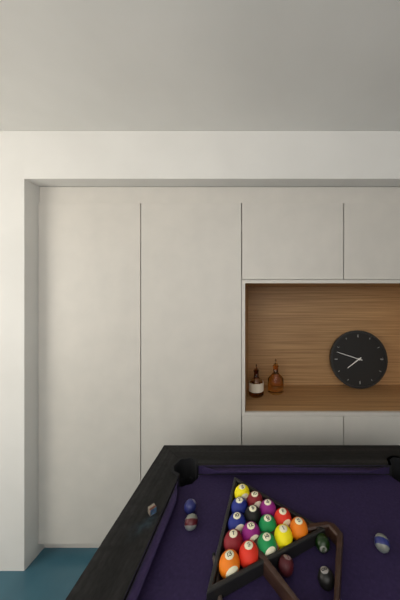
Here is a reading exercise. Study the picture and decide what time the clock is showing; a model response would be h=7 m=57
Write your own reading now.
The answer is h=7 m=48
